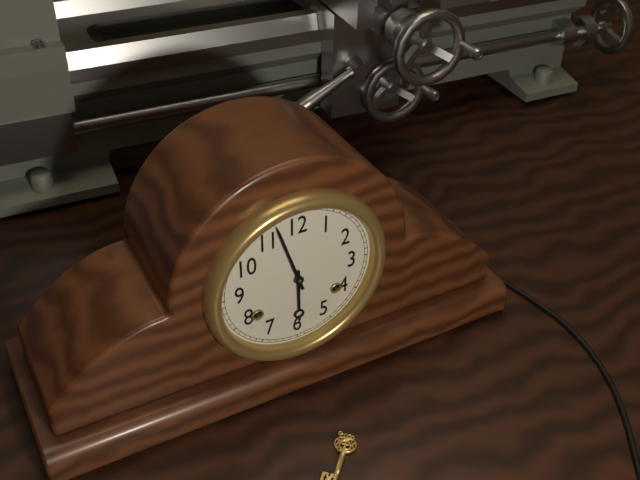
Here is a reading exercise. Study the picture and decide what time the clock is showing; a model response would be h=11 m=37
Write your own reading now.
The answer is h=5 m=57
